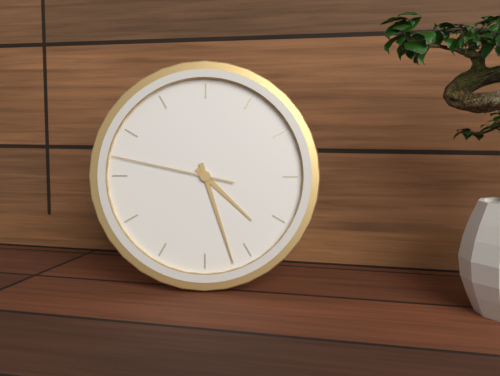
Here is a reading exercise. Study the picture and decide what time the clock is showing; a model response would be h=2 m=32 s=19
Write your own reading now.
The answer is h=4 m=27 s=47
